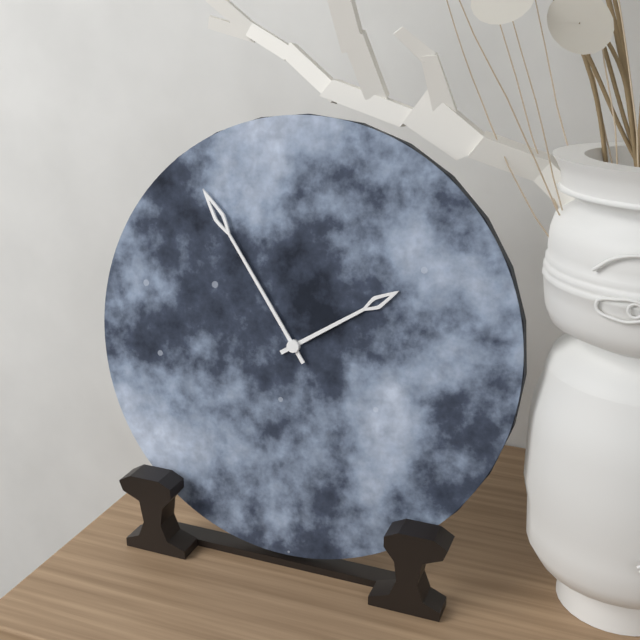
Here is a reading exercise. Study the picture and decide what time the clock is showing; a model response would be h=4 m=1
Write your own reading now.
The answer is h=1 m=54
